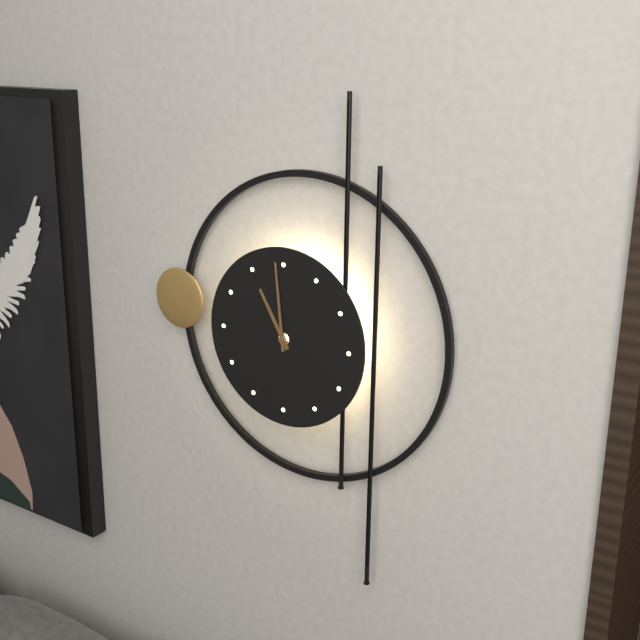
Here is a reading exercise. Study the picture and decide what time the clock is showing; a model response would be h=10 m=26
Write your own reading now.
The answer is h=10 m=59
